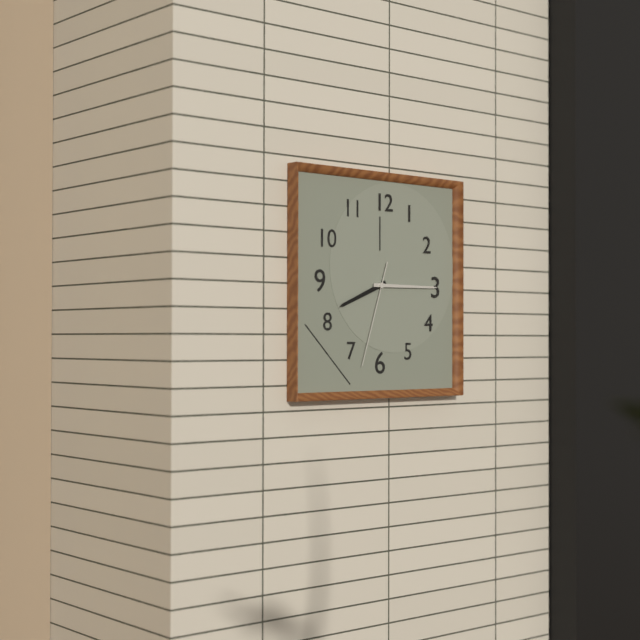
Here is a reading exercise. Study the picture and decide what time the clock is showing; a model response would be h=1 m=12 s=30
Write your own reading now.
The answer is h=8 m=15 s=33
